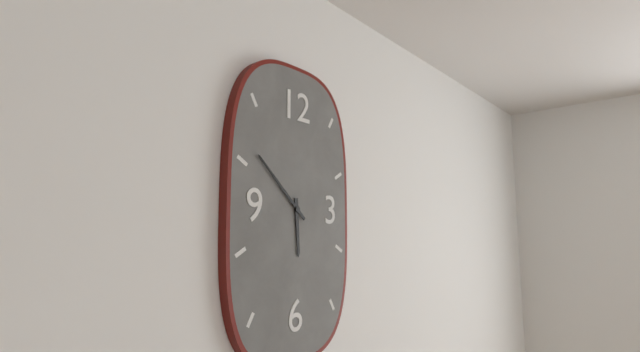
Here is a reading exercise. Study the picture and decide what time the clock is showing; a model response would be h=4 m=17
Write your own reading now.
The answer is h=5 m=52
